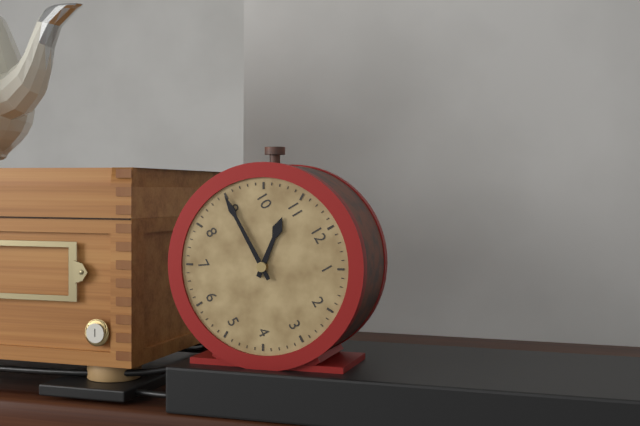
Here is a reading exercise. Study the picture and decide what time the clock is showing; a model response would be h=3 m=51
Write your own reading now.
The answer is h=10 m=45
